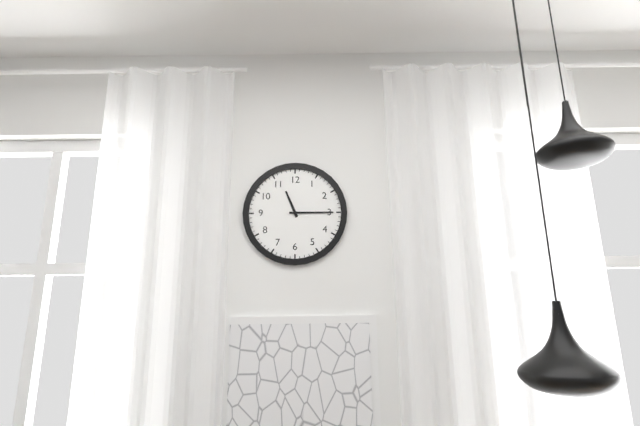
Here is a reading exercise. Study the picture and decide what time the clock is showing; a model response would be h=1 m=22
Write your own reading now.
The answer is h=11 m=15
